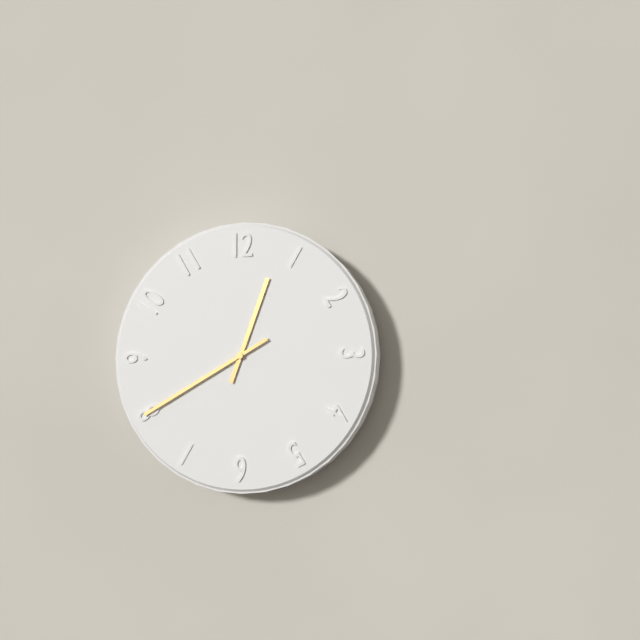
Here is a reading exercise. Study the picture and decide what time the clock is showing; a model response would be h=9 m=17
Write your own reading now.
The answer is h=12 m=40
